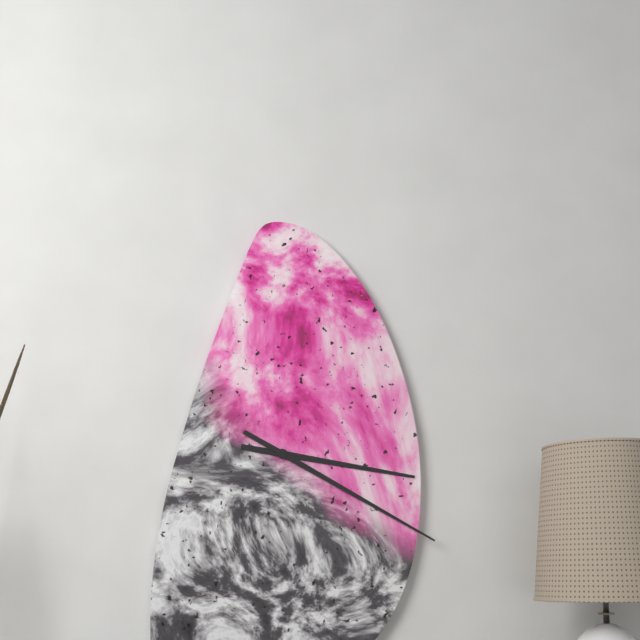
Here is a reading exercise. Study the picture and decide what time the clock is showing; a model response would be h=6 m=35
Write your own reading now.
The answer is h=3 m=20
